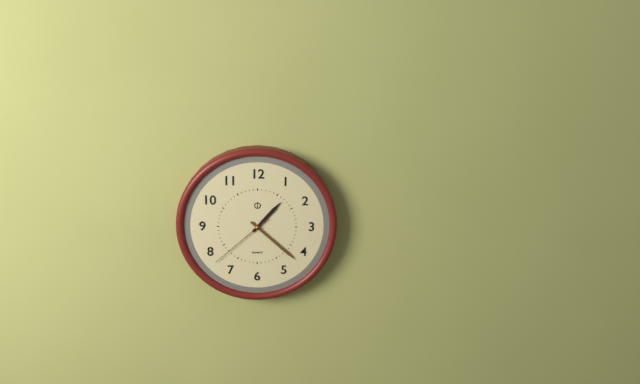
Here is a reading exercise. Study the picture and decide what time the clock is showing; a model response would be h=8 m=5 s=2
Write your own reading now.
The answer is h=1 m=22 s=38
